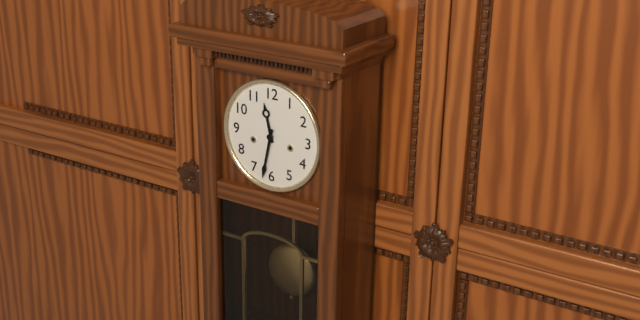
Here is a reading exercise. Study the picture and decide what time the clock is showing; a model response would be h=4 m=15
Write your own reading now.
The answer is h=11 m=32
